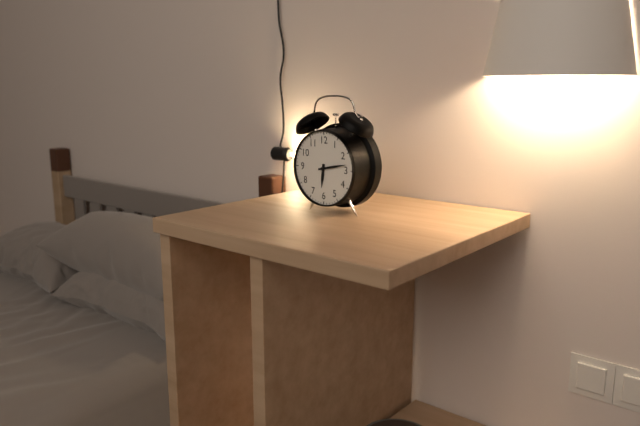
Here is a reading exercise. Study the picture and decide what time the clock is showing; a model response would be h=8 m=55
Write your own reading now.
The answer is h=6 m=13
